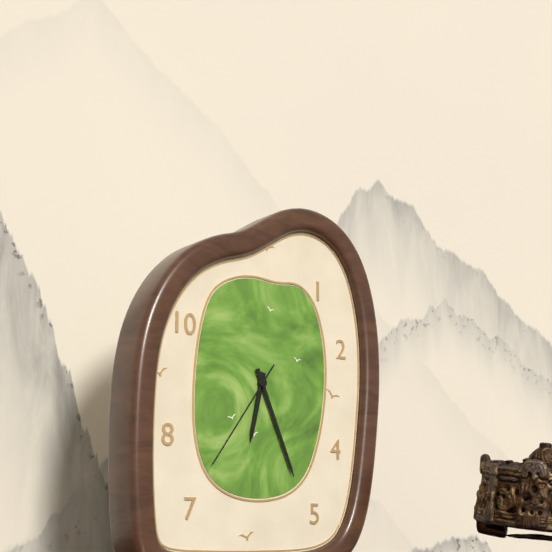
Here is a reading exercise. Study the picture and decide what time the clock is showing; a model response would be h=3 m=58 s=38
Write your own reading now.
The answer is h=6 m=26 s=36
